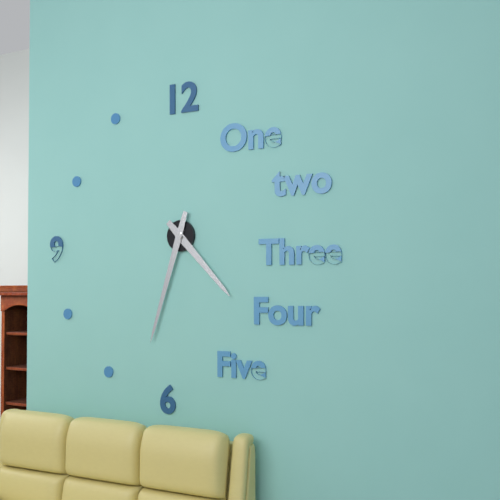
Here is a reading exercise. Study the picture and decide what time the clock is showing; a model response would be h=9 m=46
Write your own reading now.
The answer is h=4 m=33
